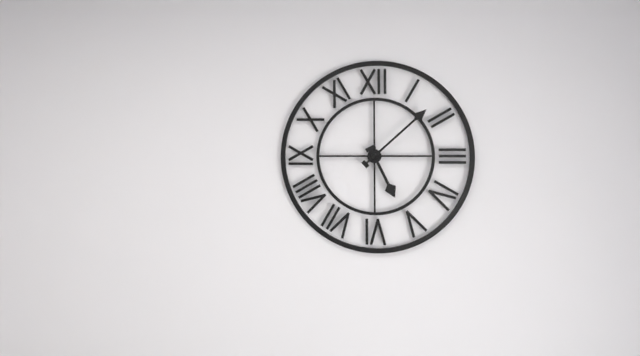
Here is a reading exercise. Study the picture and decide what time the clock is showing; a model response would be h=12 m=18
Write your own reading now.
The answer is h=5 m=8
